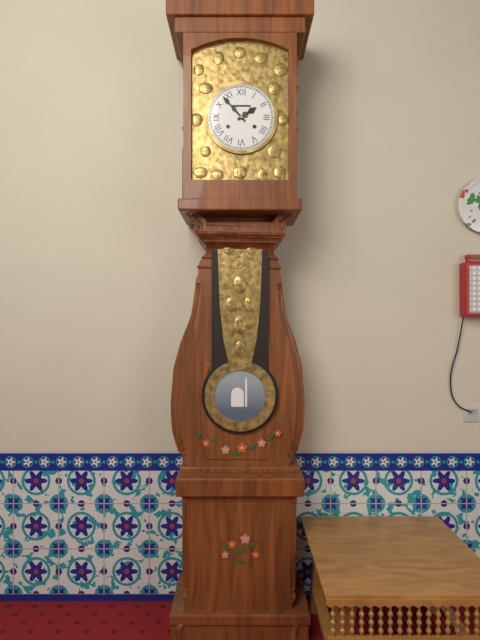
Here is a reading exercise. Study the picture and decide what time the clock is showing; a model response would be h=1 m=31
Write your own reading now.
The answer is h=1 m=53
